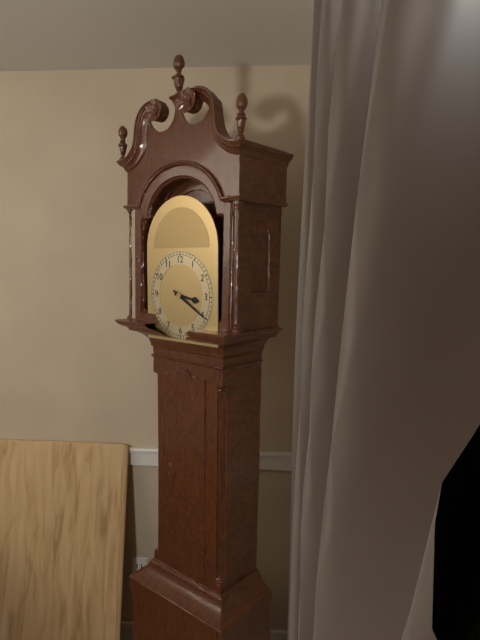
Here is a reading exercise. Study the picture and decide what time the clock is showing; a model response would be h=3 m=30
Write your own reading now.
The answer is h=3 m=20
